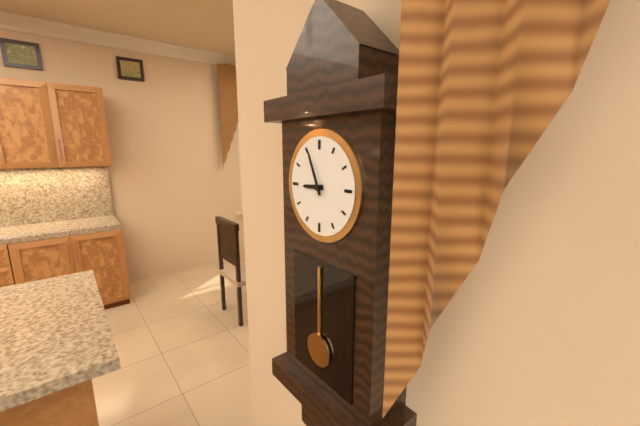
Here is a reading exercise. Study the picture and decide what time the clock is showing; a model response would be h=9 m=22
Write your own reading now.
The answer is h=8 m=56
